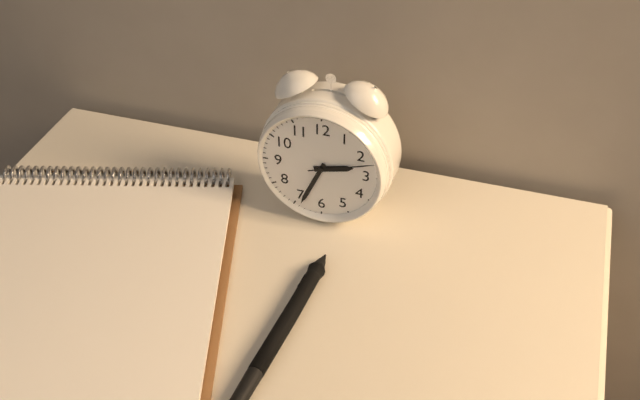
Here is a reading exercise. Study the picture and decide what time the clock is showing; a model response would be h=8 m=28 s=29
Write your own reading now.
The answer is h=2 m=34 s=12
